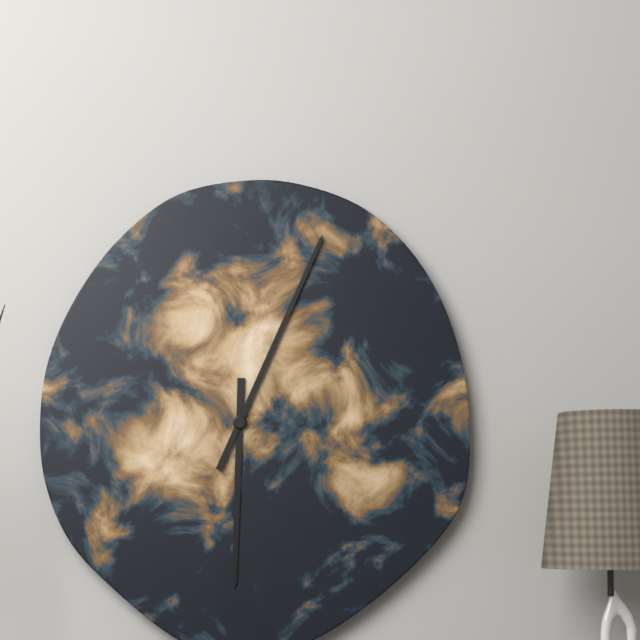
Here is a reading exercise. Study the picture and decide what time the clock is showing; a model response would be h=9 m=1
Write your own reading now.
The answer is h=6 m=4
